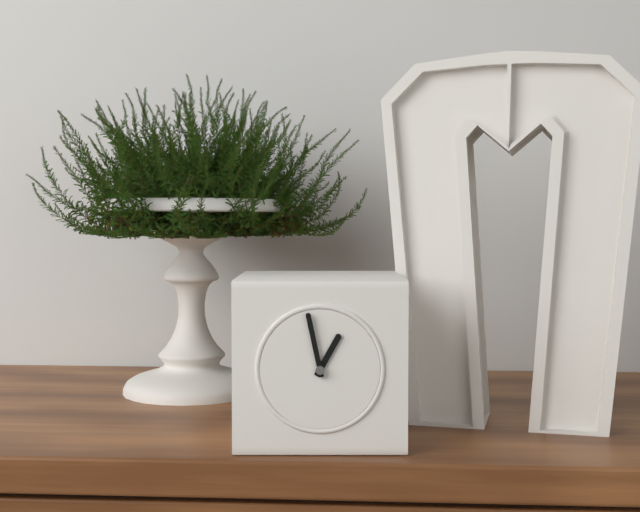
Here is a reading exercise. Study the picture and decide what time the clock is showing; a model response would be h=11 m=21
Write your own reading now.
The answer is h=12 m=58
